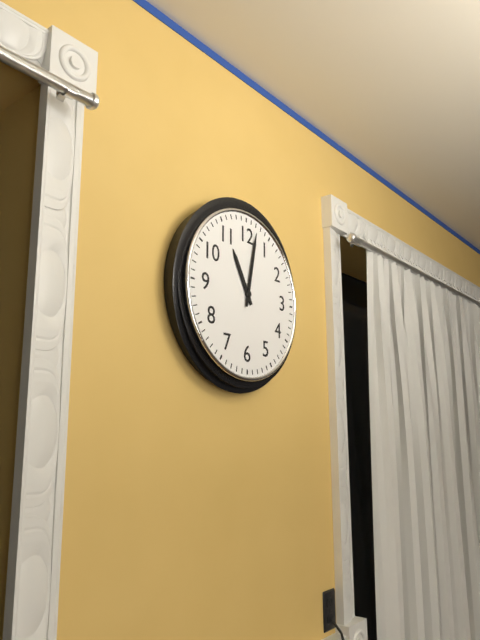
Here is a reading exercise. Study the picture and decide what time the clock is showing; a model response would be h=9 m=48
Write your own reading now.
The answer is h=11 m=2
